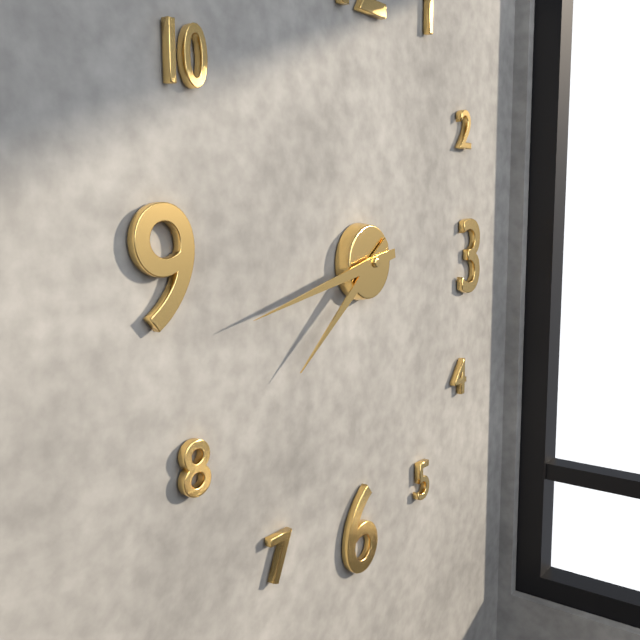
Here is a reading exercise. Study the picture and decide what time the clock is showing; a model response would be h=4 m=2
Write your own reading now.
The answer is h=7 m=43
